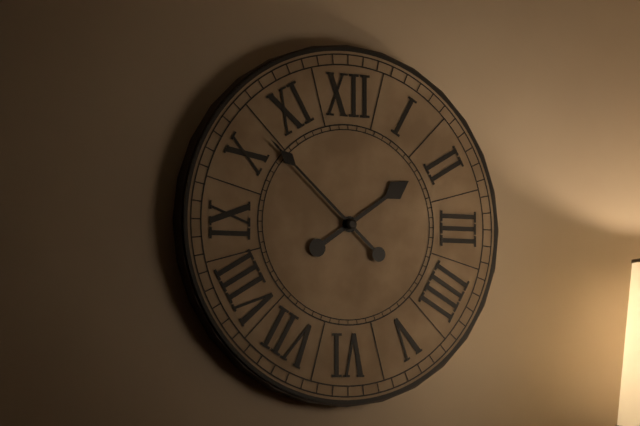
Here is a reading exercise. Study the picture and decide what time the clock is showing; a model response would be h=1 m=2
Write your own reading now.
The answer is h=1 m=52
